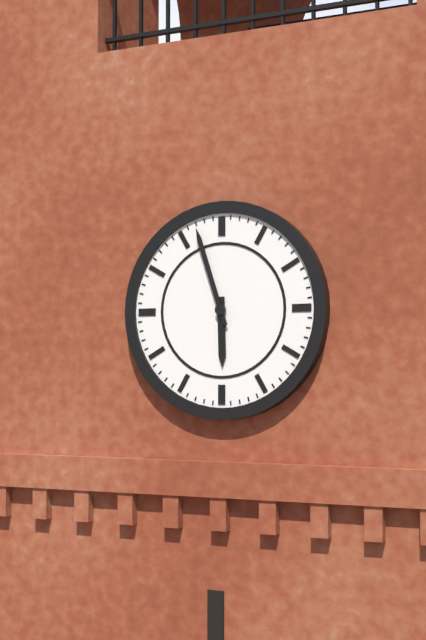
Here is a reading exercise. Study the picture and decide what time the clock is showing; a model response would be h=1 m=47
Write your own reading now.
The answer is h=5 m=57
